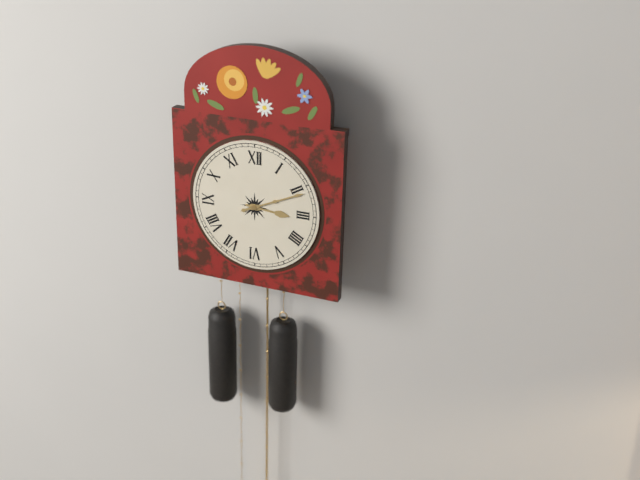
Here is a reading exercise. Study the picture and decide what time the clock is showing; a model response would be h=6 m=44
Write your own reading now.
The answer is h=3 m=11
